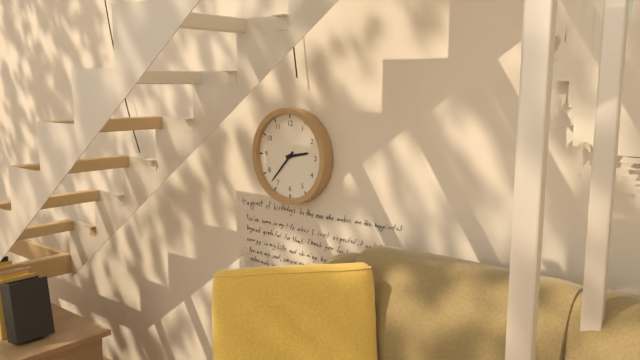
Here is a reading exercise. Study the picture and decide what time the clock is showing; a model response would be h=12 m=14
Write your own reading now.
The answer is h=2 m=37
